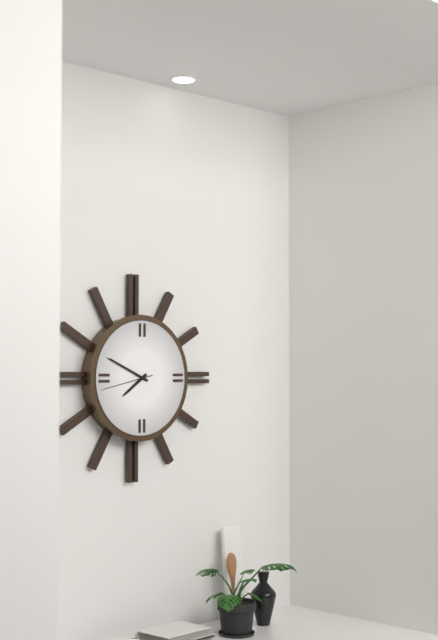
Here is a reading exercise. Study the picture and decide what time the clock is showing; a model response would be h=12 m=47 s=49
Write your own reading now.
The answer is h=7 m=49 s=43
